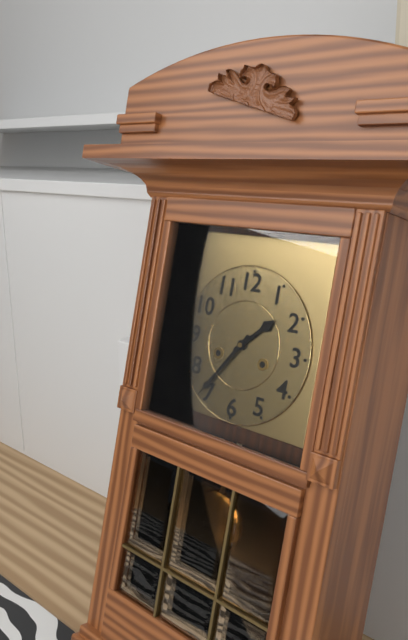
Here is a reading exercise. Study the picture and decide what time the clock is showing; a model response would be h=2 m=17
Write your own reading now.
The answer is h=1 m=36
